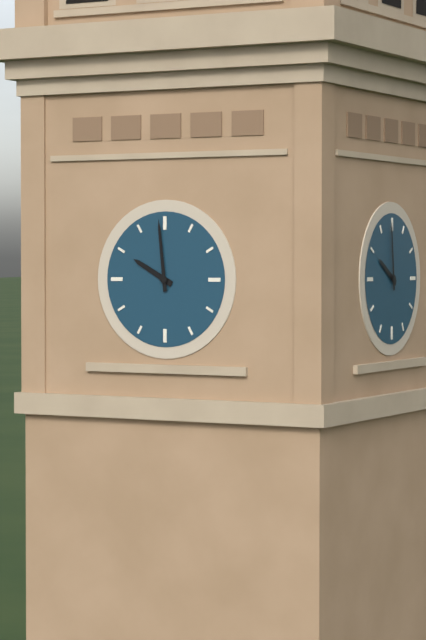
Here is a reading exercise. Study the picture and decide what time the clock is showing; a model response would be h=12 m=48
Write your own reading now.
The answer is h=9 m=59
